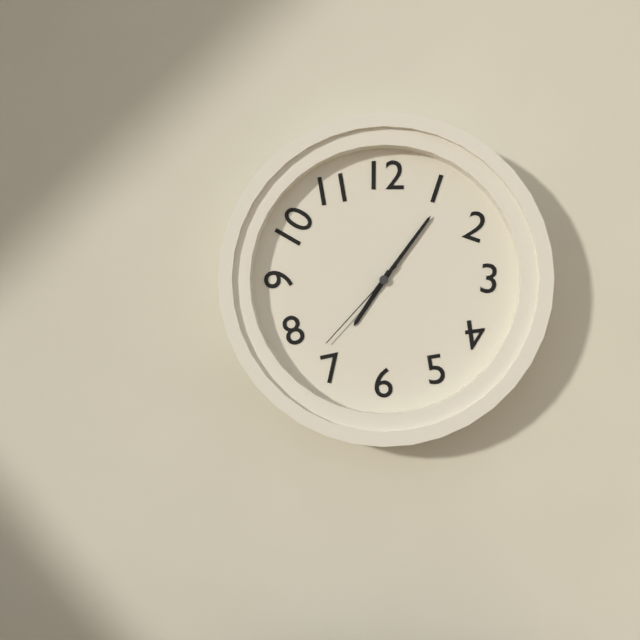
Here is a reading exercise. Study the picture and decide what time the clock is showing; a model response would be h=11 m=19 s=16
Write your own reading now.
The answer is h=7 m=6 s=37
